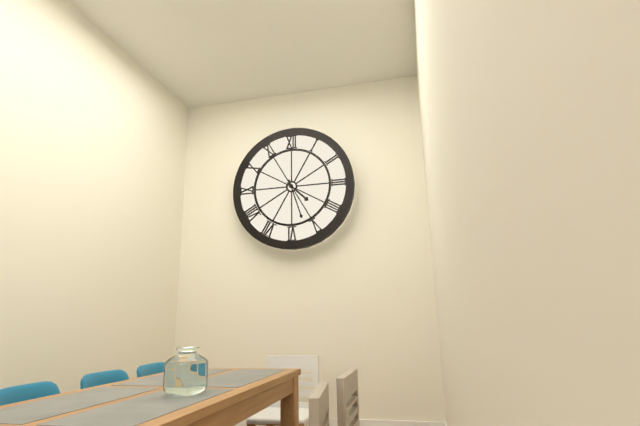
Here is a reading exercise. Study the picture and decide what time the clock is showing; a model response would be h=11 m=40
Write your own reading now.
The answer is h=4 m=27
